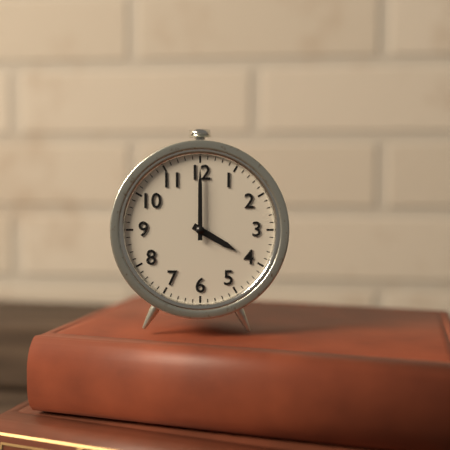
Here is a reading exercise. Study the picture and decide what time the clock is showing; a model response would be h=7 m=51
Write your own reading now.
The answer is h=4 m=0
